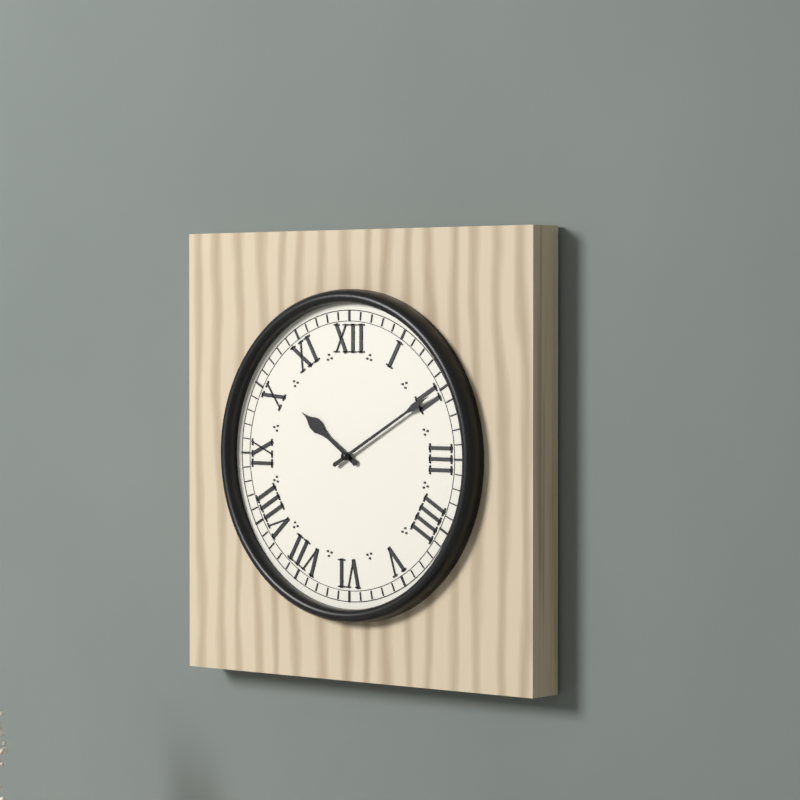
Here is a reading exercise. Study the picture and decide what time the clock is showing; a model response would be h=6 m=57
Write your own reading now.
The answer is h=10 m=10
